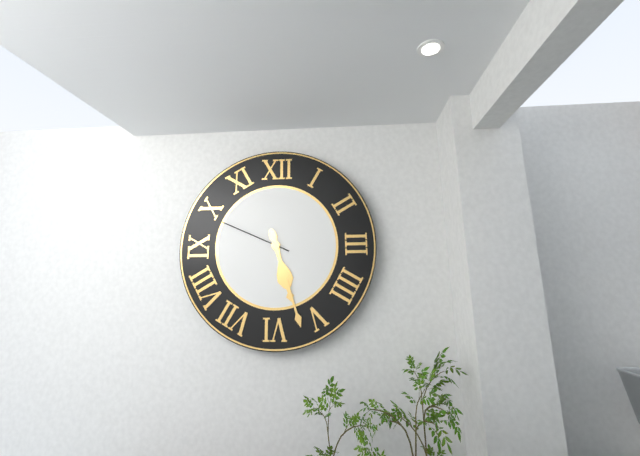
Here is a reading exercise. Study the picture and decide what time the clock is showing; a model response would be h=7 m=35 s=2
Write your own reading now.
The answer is h=5 m=27 s=49
